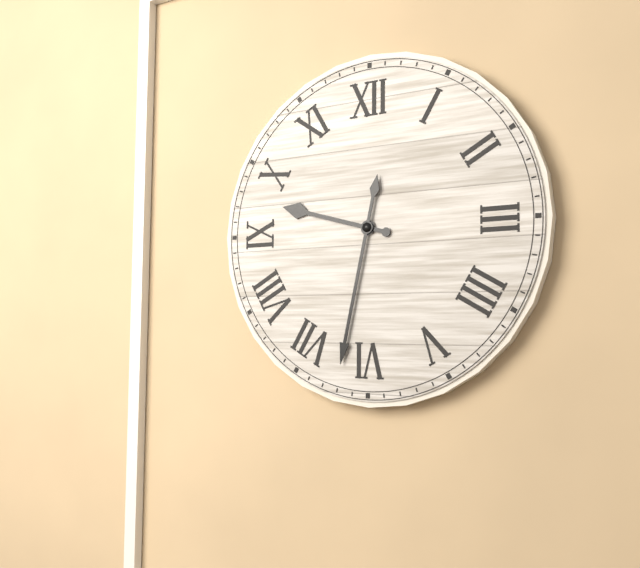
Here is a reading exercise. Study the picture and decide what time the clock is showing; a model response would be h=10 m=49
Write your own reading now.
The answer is h=9 m=32
